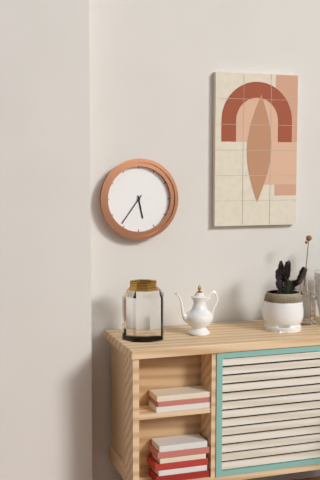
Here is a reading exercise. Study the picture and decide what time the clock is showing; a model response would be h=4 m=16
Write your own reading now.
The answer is h=5 m=36
